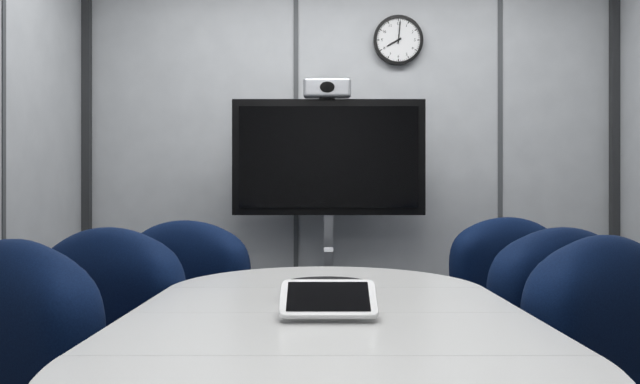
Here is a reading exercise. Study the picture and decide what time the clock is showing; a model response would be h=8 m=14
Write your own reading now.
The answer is h=8 m=1
